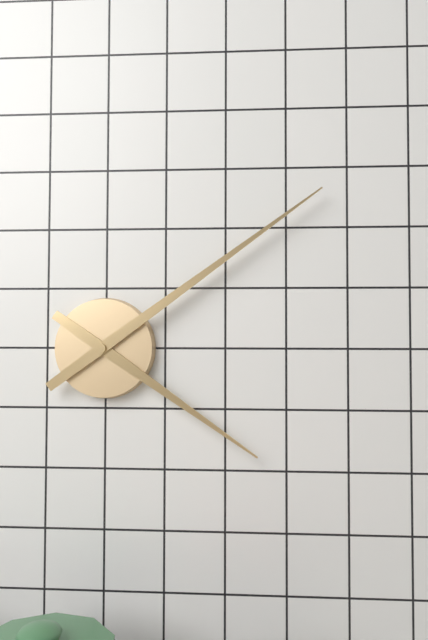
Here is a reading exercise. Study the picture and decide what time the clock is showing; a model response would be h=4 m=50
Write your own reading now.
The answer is h=4 m=9
